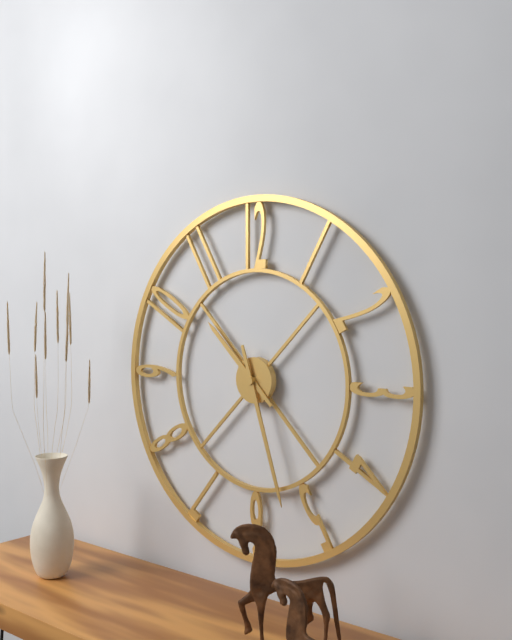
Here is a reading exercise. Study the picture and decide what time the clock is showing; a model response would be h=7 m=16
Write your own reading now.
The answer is h=10 m=27
